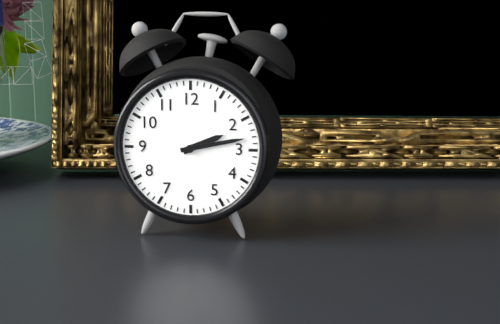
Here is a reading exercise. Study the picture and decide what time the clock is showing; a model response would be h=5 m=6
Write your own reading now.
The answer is h=2 m=13
